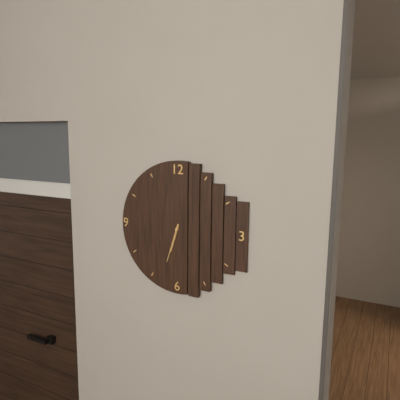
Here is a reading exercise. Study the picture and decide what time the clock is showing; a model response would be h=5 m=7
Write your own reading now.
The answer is h=6 m=33
